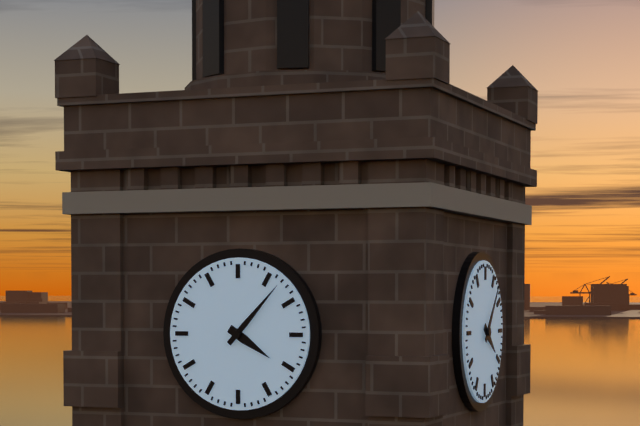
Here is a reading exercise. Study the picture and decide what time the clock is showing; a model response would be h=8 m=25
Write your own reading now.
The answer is h=4 m=7
